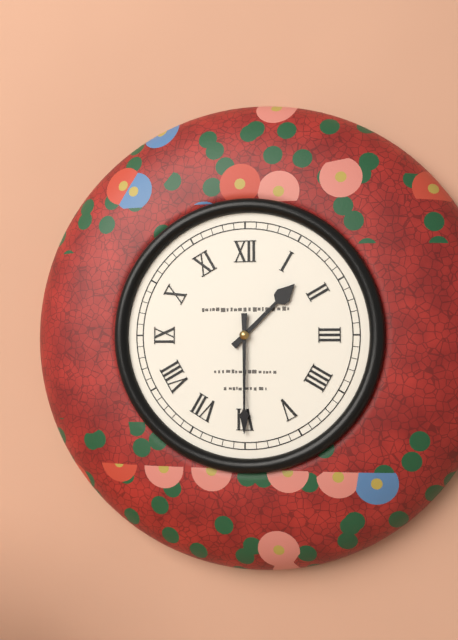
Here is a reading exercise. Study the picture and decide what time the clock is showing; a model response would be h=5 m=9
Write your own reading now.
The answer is h=1 m=30
